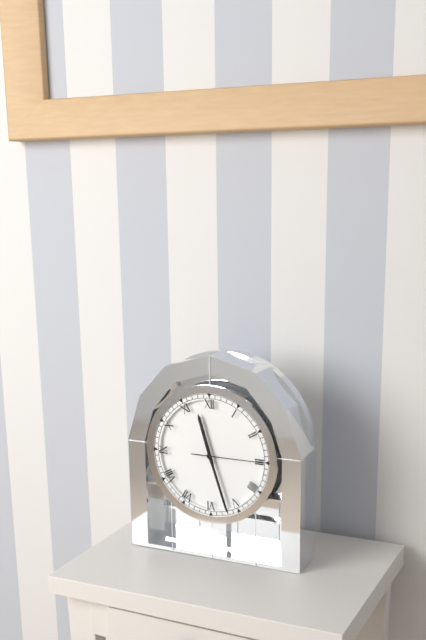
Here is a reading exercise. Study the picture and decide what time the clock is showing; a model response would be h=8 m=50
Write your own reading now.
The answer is h=11 m=27
